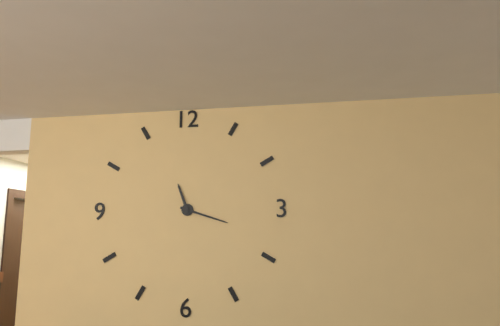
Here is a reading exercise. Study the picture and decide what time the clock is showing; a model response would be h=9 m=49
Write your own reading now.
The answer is h=11 m=18
